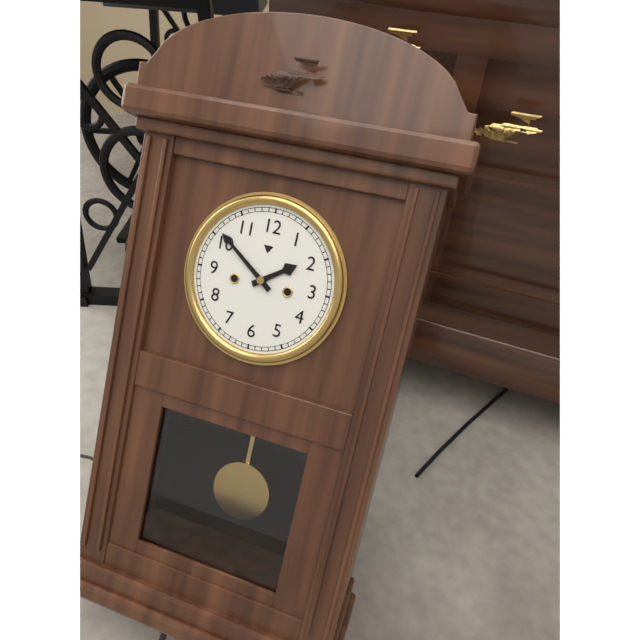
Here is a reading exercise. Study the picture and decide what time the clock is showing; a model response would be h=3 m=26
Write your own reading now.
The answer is h=1 m=51
